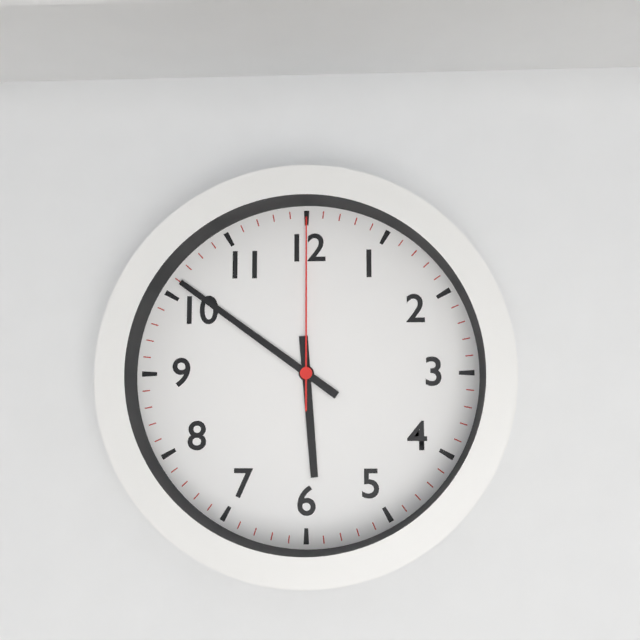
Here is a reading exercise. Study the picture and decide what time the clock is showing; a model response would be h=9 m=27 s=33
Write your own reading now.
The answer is h=5 m=51 s=0
